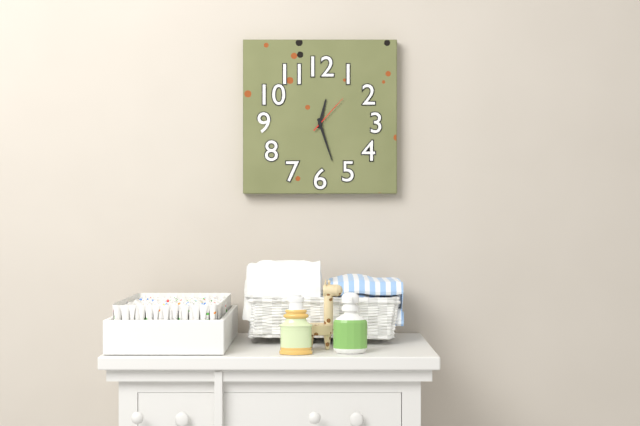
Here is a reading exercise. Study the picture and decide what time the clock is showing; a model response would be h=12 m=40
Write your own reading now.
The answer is h=12 m=27
